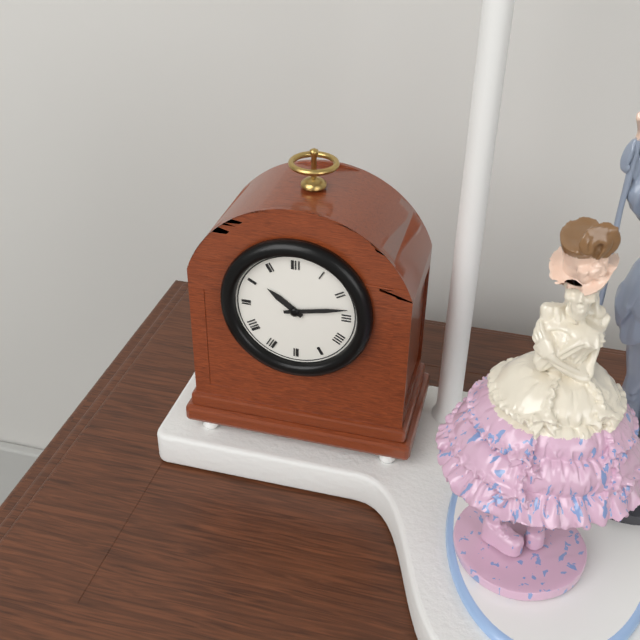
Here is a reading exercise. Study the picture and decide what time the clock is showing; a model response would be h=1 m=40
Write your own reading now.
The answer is h=10 m=13
